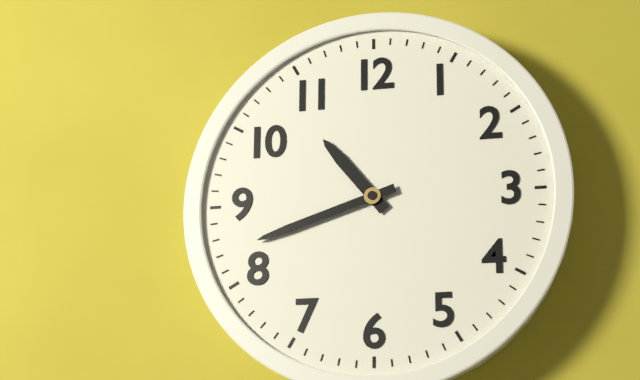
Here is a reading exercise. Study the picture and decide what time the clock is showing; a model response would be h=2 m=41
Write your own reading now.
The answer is h=10 m=42
